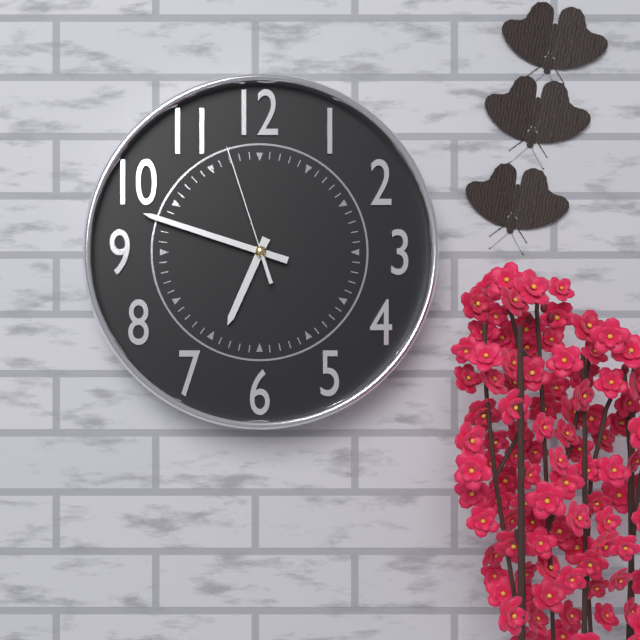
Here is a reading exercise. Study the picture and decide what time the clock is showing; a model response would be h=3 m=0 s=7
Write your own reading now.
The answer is h=6 m=48 s=57
